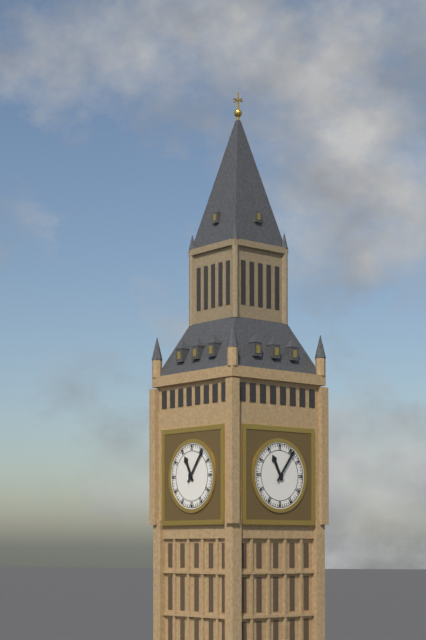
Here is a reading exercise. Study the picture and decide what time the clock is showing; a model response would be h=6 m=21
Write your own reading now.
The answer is h=11 m=6
